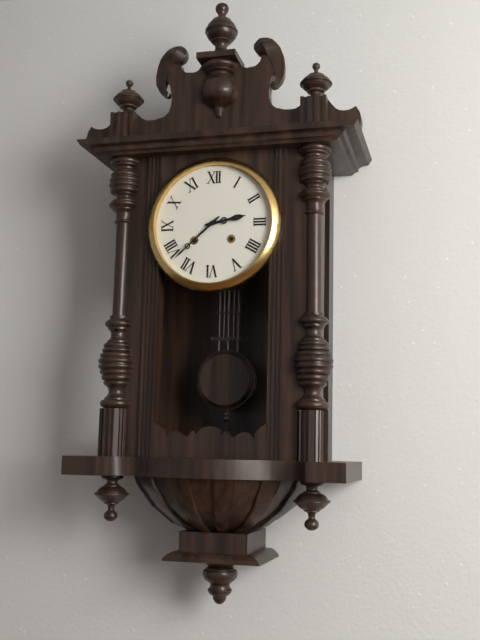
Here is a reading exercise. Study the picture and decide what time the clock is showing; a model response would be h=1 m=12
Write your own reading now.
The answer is h=2 m=38
